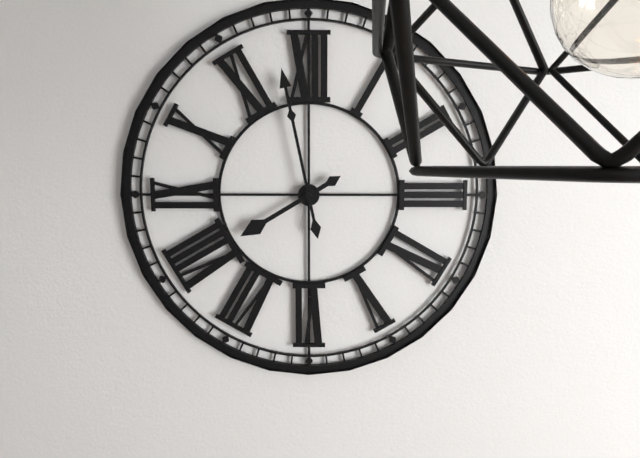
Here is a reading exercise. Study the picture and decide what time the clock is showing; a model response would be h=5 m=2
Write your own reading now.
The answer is h=7 m=58
